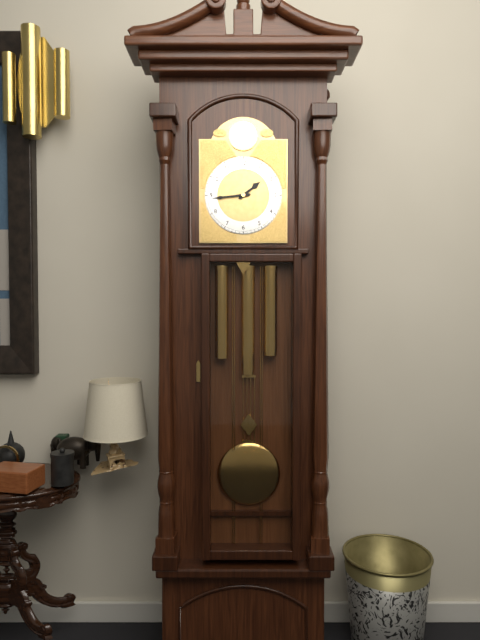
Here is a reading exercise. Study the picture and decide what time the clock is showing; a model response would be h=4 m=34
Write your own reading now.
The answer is h=1 m=44
